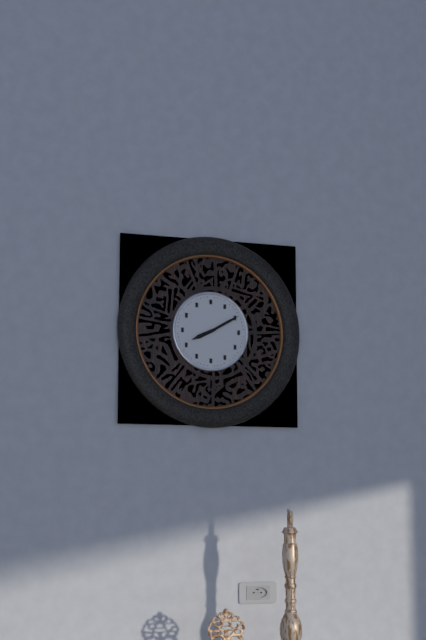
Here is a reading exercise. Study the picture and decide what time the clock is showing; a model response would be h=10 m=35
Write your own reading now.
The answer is h=8 m=10
